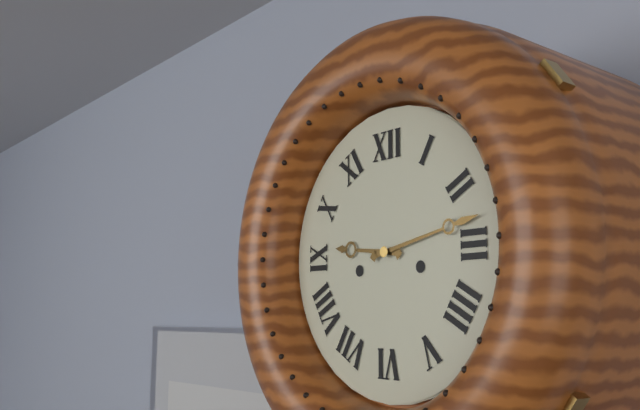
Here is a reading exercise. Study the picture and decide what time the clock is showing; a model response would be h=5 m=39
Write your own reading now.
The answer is h=9 m=13
